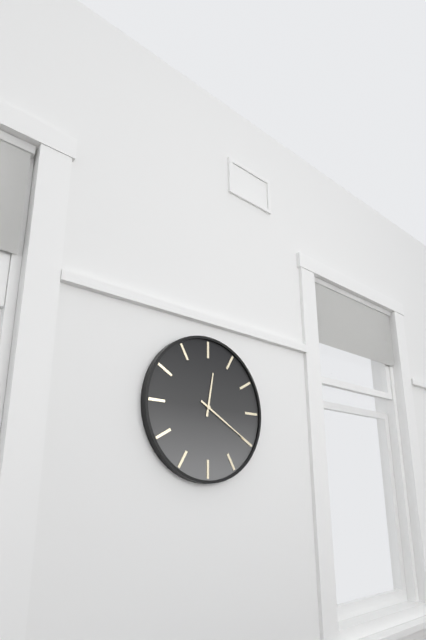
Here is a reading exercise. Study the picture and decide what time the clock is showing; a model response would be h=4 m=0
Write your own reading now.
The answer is h=12 m=20
